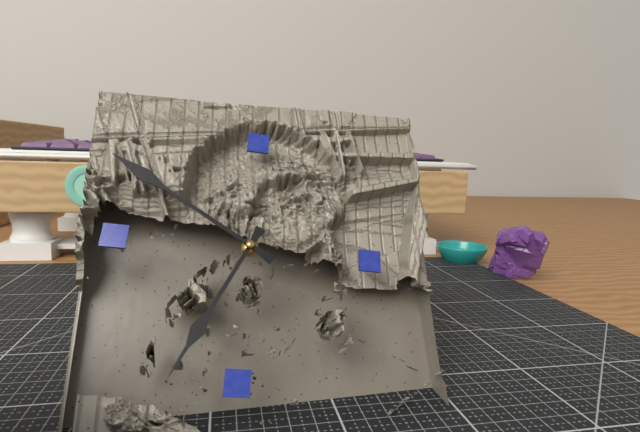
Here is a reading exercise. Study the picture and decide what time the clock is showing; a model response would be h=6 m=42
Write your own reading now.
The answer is h=6 m=50
